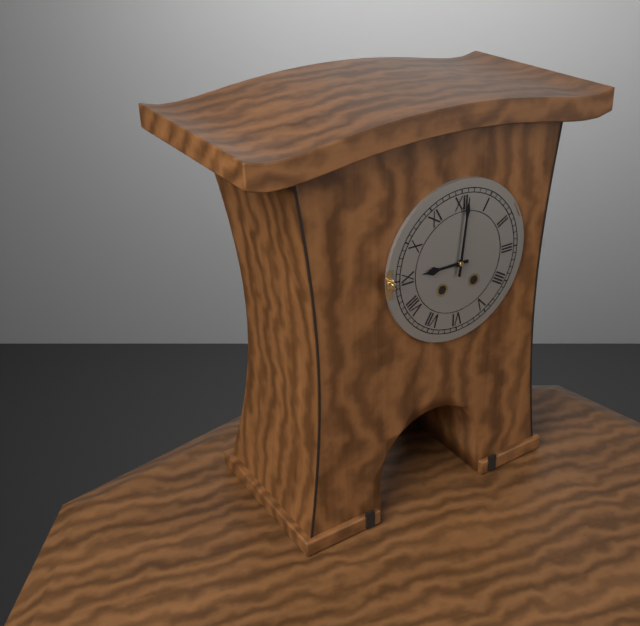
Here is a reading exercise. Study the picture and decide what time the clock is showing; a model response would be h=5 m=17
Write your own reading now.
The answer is h=9 m=1
